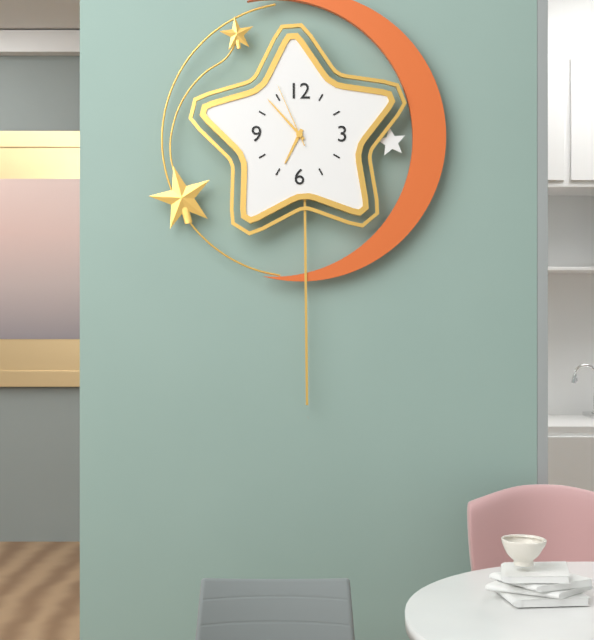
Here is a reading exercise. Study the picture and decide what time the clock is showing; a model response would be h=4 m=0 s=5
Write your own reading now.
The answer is h=6 m=53 s=56
